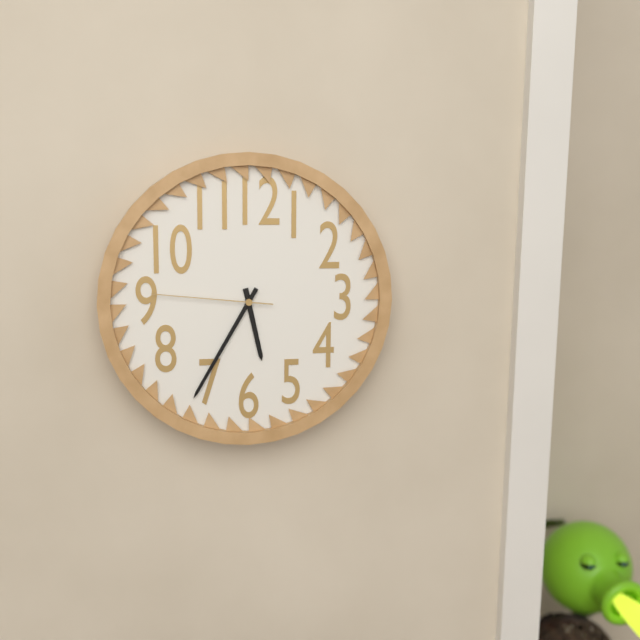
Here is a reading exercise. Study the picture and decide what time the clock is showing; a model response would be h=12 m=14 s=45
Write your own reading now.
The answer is h=5 m=35 s=46
